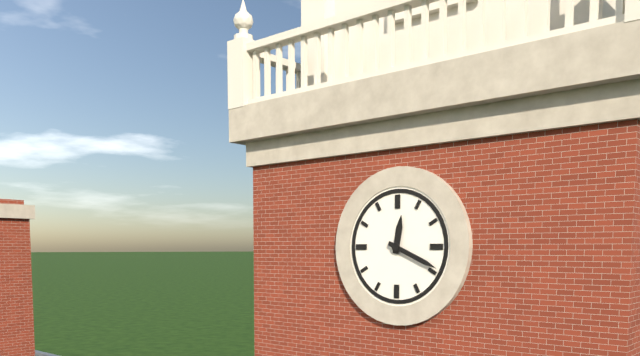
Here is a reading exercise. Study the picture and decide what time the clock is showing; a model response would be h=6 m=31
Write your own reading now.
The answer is h=12 m=19
